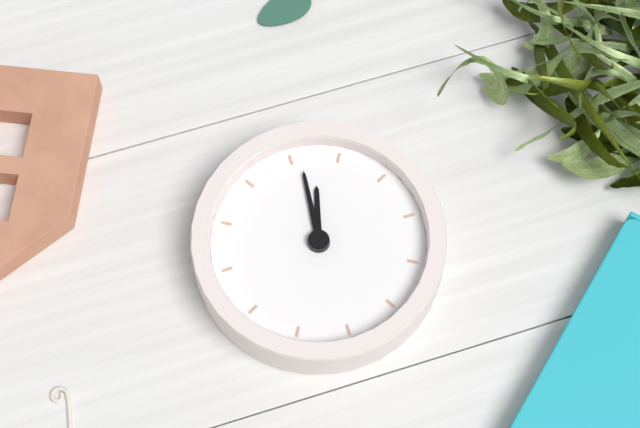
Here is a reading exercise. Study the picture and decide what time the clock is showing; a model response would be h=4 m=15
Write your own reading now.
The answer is h=6 m=31
